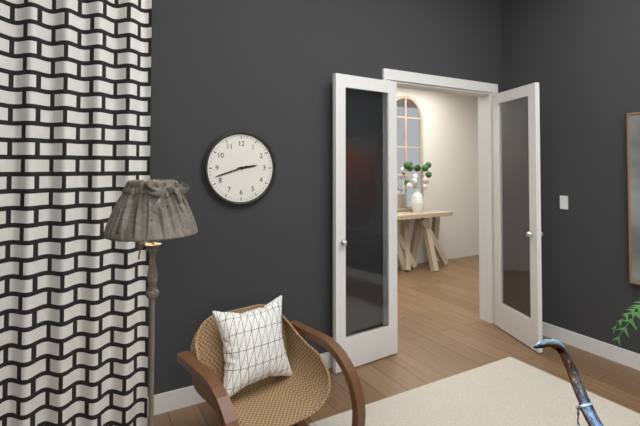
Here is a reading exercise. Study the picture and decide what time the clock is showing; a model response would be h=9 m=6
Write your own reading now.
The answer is h=2 m=42
